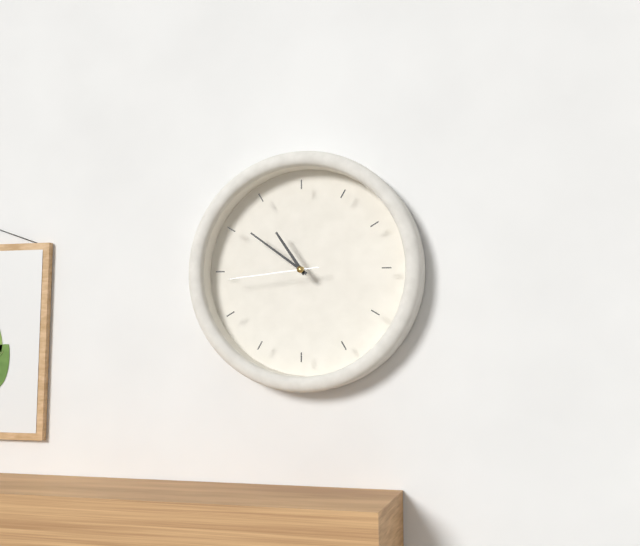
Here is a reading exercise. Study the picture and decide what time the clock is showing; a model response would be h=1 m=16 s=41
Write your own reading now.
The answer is h=10 m=51 s=44
